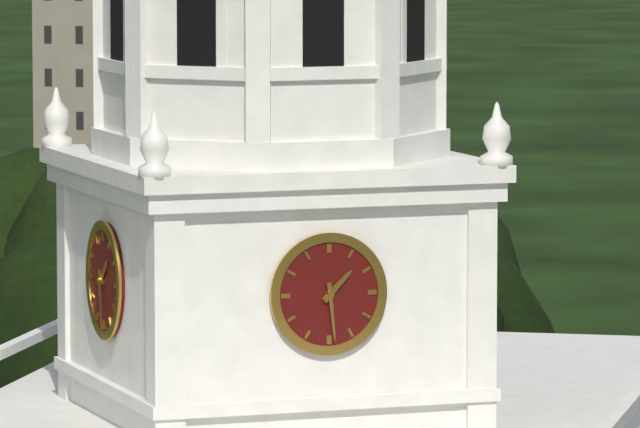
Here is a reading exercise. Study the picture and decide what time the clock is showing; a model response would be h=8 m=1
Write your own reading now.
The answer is h=1 m=29
